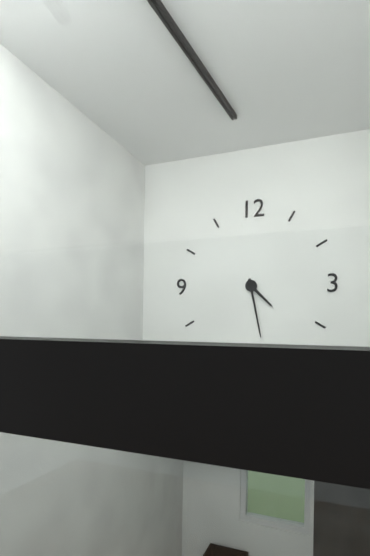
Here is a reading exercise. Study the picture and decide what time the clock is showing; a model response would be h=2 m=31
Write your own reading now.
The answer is h=4 m=28
